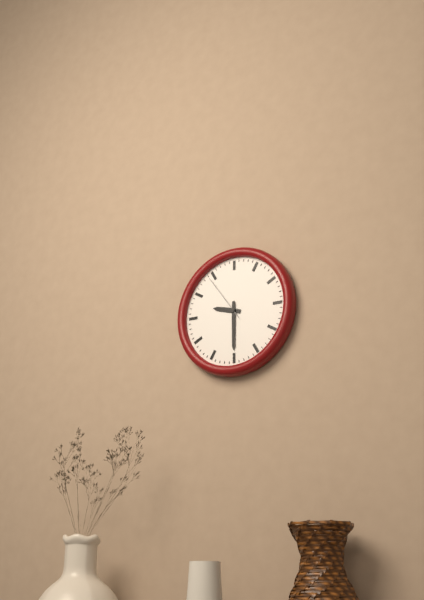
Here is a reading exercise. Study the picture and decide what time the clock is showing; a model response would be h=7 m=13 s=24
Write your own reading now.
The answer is h=9 m=30 s=54
